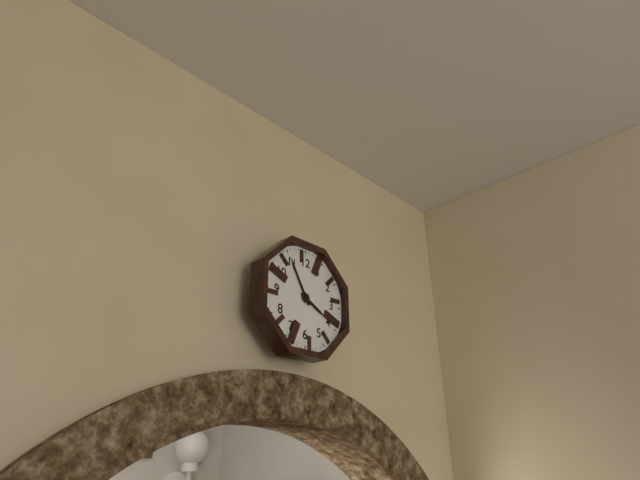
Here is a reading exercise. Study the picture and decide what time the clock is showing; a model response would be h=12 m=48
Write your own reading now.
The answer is h=3 m=55
